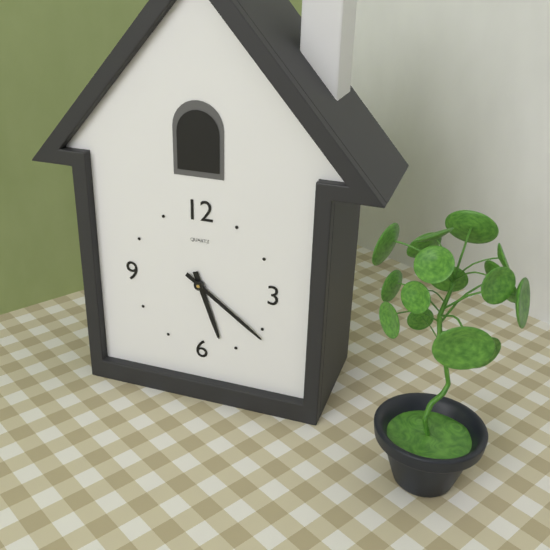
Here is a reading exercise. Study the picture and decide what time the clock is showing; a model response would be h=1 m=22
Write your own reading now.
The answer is h=5 m=21
